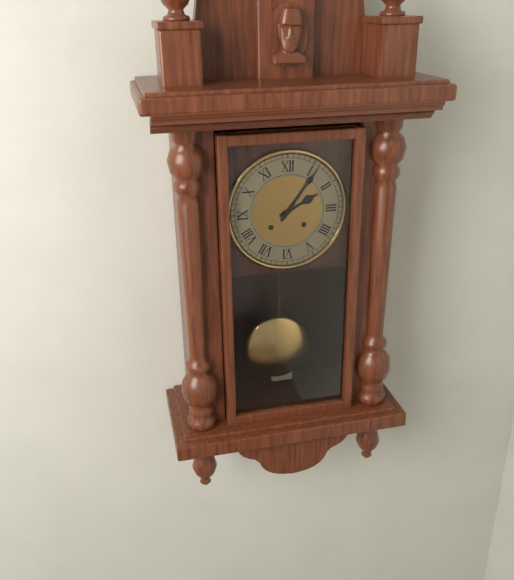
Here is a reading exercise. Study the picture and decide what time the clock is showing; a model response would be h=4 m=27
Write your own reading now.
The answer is h=2 m=6
